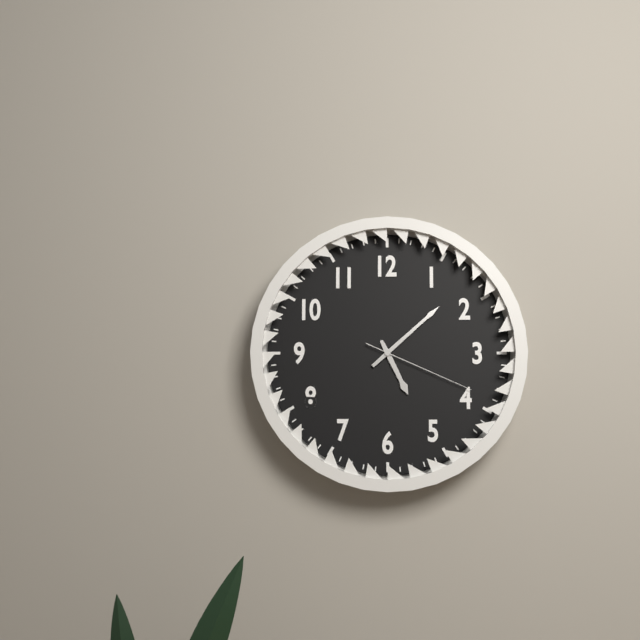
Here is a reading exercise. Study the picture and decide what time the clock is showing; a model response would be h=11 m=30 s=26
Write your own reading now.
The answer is h=5 m=8 s=19
